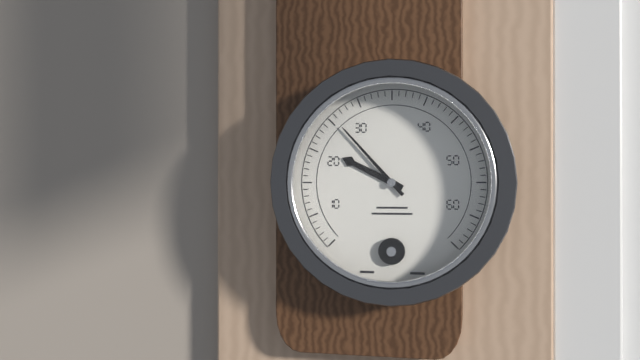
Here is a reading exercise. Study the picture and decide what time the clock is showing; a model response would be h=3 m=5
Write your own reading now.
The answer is h=9 m=53
